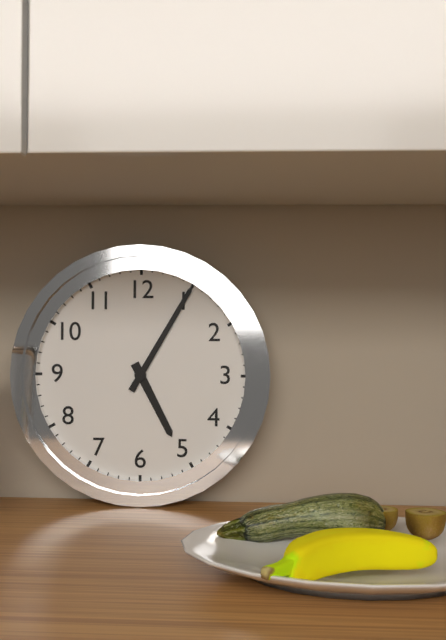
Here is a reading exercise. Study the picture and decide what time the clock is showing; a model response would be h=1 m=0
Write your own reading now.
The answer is h=5 m=5
